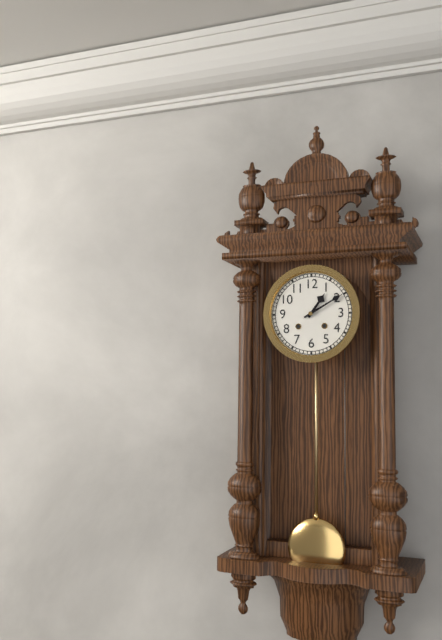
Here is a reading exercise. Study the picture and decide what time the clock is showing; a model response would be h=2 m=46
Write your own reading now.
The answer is h=1 m=10
